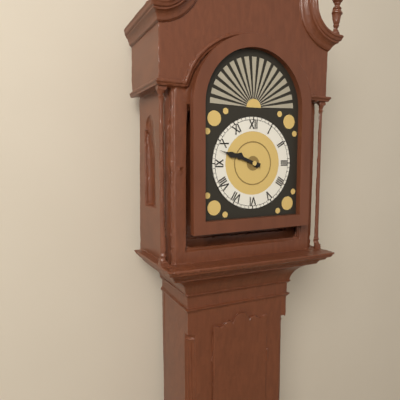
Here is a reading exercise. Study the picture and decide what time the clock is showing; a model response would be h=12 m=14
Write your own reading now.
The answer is h=9 m=48
